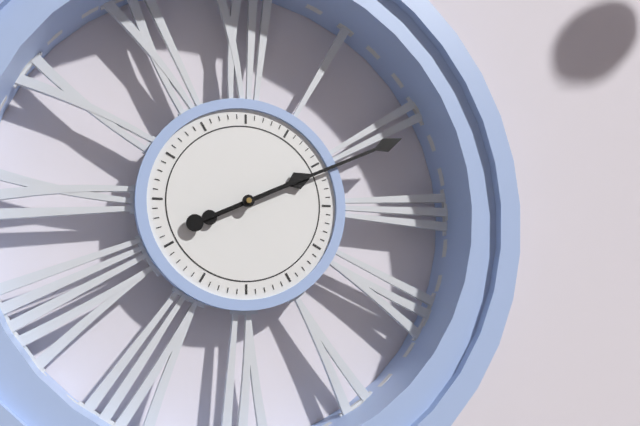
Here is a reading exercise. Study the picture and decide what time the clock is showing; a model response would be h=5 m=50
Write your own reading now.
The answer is h=2 m=11
